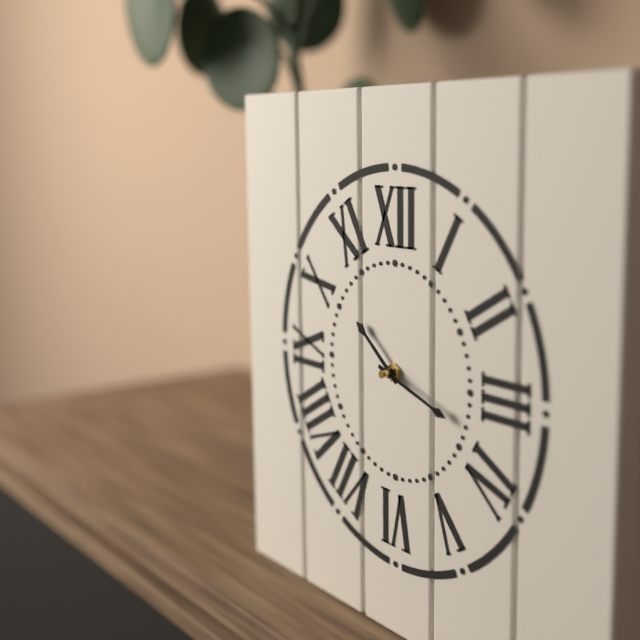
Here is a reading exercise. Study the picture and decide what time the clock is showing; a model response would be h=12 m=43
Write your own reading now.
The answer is h=10 m=18
